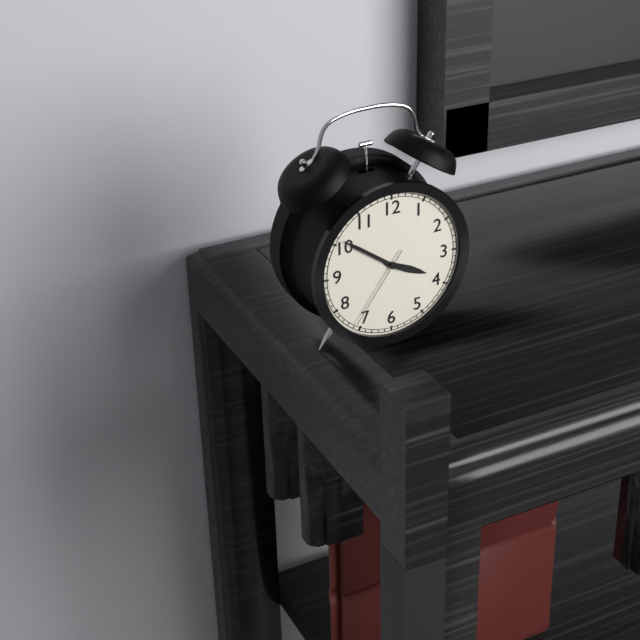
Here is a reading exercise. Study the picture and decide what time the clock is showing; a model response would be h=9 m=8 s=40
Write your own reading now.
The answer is h=3 m=51 s=36
